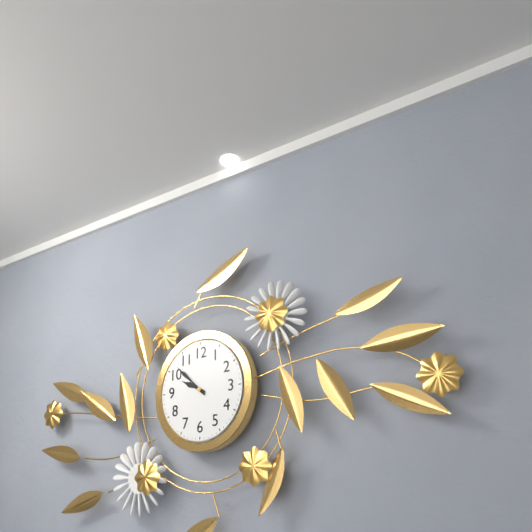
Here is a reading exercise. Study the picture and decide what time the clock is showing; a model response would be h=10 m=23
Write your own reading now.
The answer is h=9 m=52
